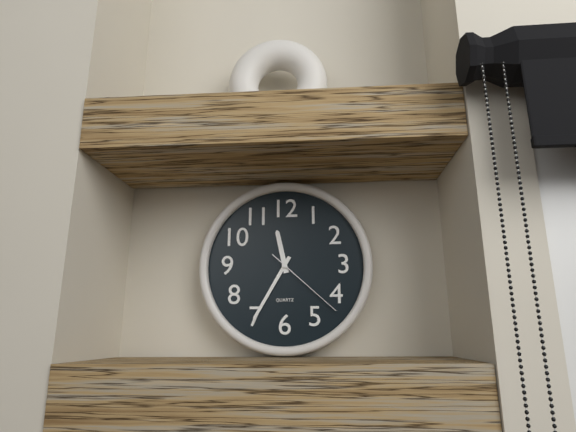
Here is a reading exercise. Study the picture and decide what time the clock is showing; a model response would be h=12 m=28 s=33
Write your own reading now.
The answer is h=11 m=35 s=22
